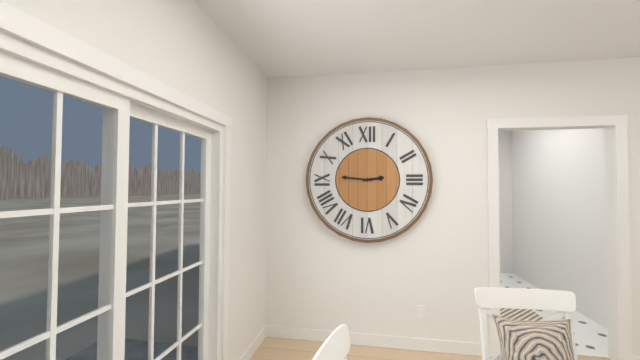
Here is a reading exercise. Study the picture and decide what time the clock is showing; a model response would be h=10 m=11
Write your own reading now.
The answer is h=2 m=46
